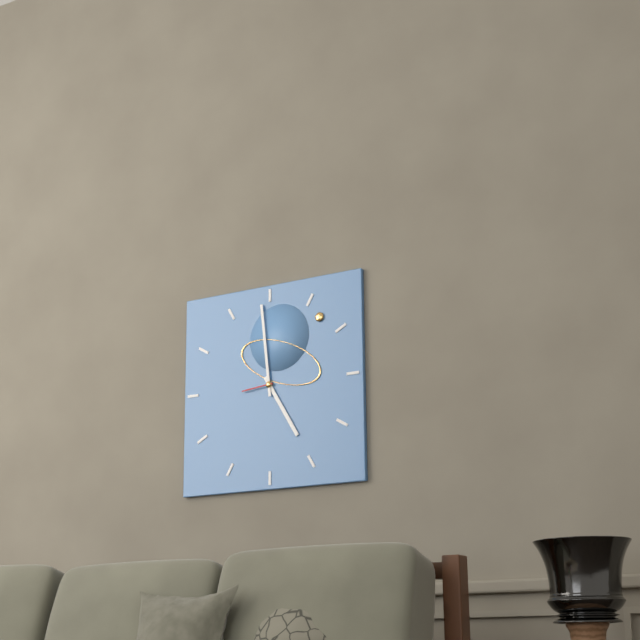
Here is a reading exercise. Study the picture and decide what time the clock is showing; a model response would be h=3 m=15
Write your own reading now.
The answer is h=4 m=59
